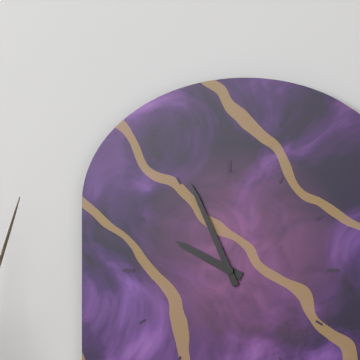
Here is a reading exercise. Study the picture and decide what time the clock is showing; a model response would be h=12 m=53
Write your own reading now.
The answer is h=9 m=56
